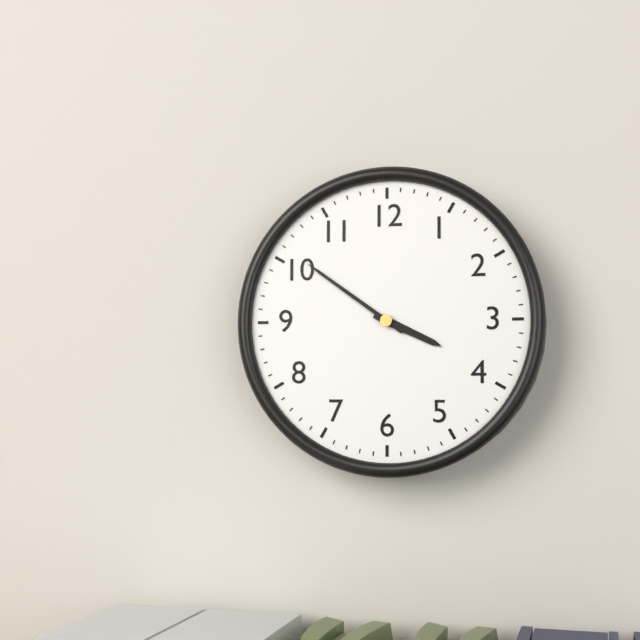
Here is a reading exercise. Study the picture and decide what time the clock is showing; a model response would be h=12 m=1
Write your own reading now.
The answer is h=3 m=51
